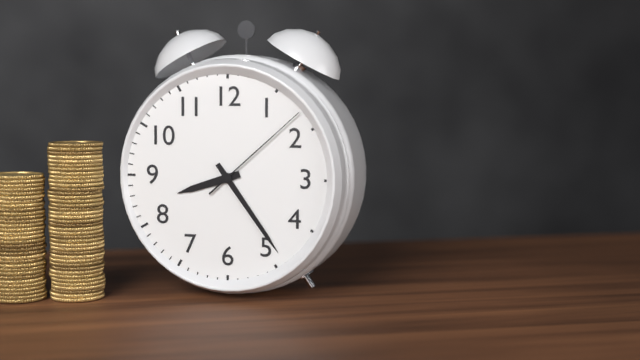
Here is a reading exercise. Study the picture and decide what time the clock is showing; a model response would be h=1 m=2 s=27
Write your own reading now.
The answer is h=8 m=24 s=8
